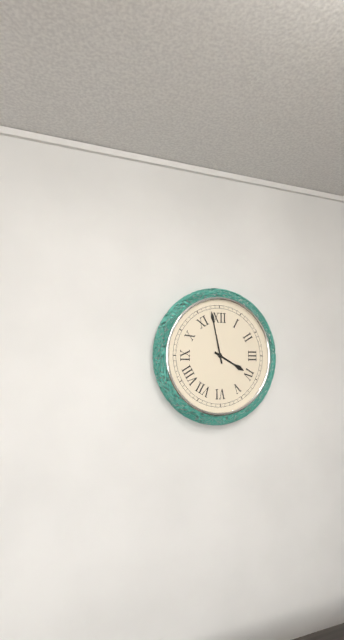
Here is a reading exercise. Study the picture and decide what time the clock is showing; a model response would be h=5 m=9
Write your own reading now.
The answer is h=3 m=58
